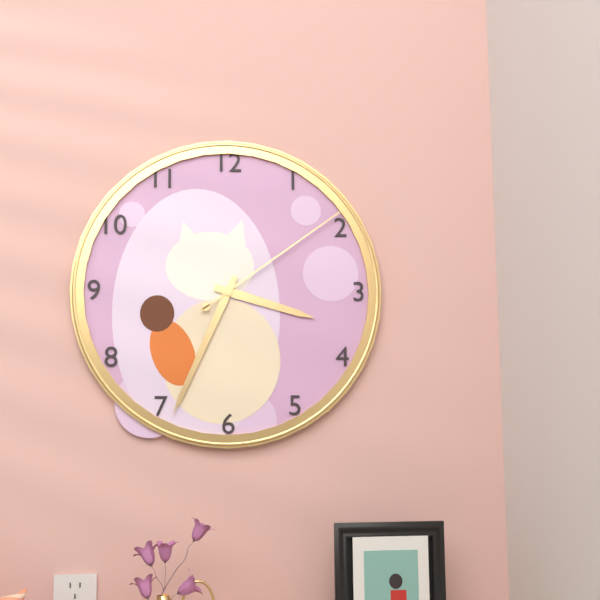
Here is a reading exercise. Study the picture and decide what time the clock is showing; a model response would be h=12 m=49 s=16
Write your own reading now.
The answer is h=3 m=34 s=9
